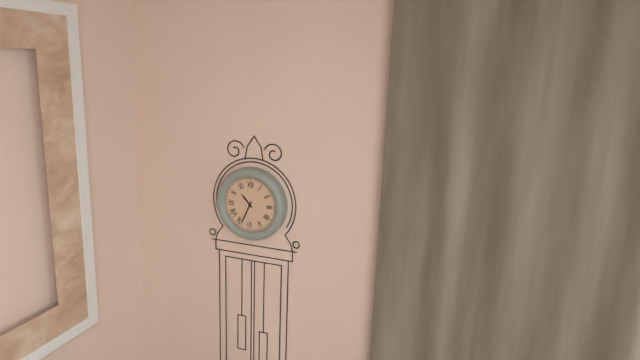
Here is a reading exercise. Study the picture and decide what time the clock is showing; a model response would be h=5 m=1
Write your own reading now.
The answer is h=10 m=34
